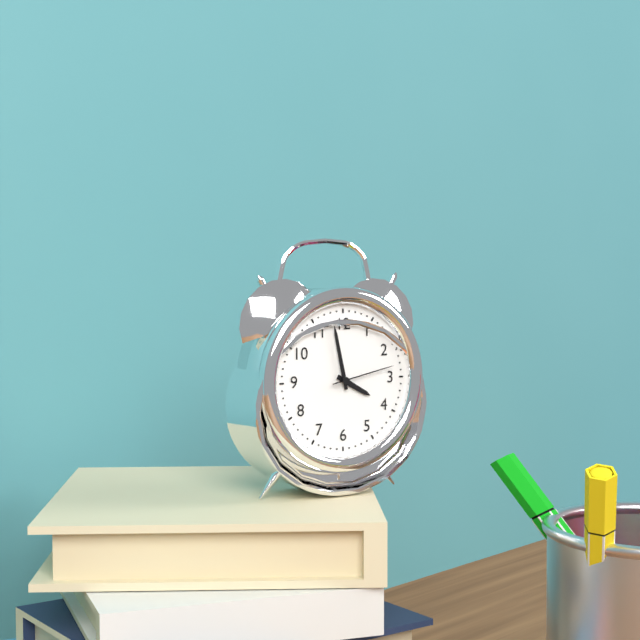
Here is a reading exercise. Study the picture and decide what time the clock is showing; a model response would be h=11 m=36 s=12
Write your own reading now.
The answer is h=3 m=58 s=13
